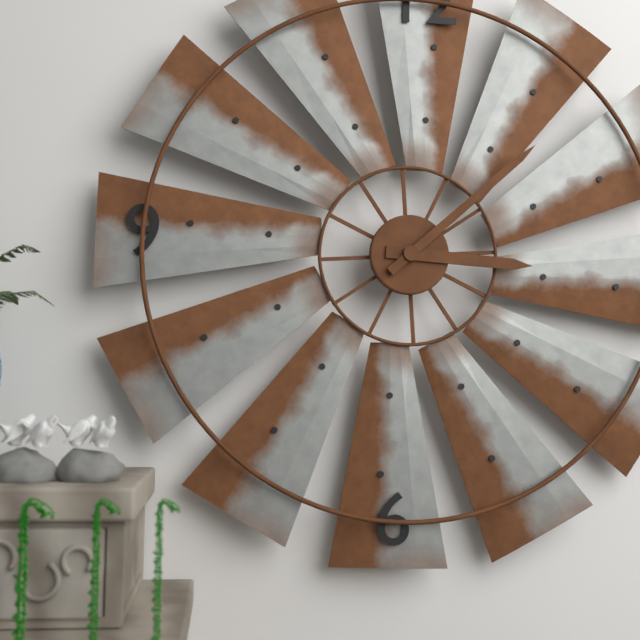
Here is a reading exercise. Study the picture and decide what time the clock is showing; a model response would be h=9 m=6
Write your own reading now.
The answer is h=3 m=8
